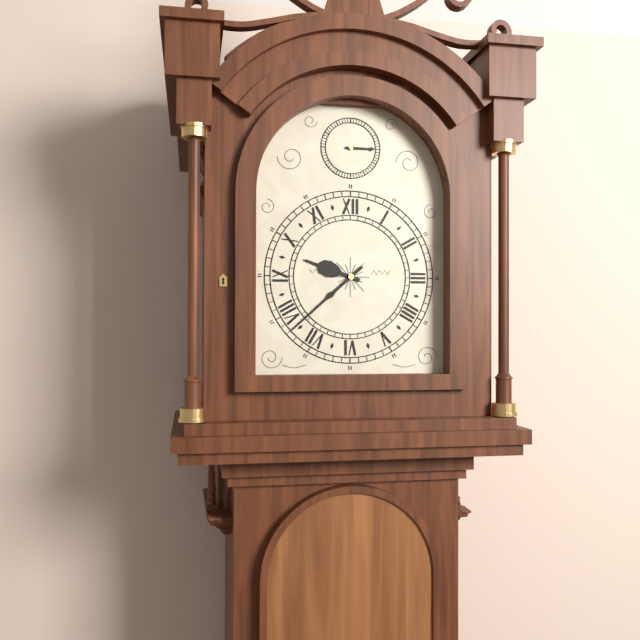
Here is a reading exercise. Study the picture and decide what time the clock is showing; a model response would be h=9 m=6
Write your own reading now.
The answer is h=9 m=38
